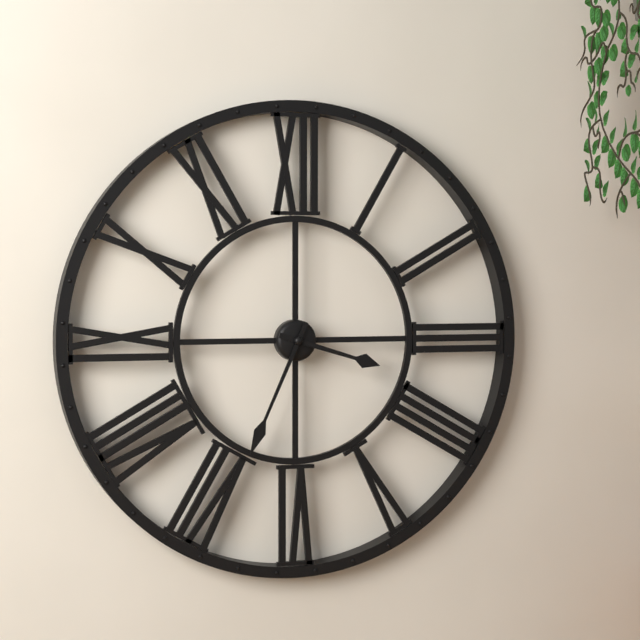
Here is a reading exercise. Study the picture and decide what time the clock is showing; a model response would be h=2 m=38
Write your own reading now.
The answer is h=3 m=34
